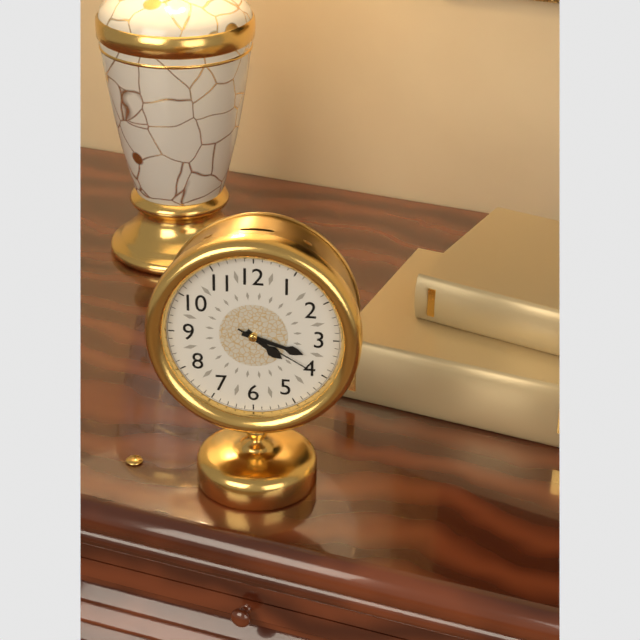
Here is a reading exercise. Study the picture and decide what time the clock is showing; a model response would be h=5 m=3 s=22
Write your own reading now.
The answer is h=4 m=18 s=20
